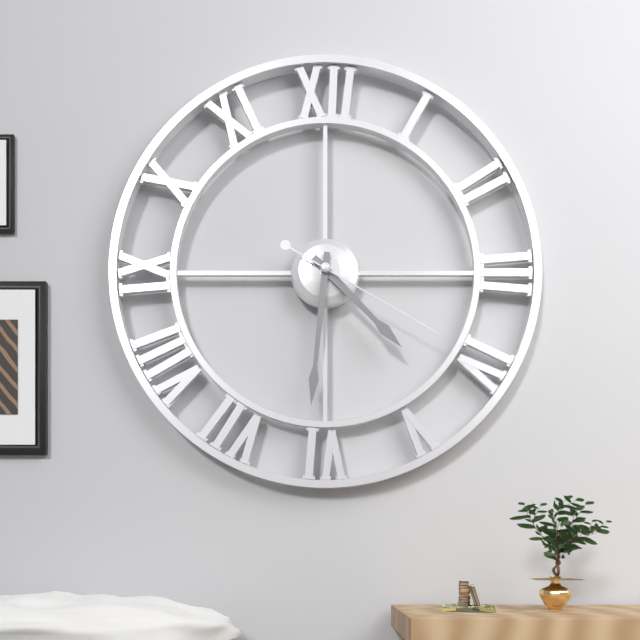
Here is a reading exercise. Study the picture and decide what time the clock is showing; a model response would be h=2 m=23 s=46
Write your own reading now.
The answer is h=4 m=31 s=20
